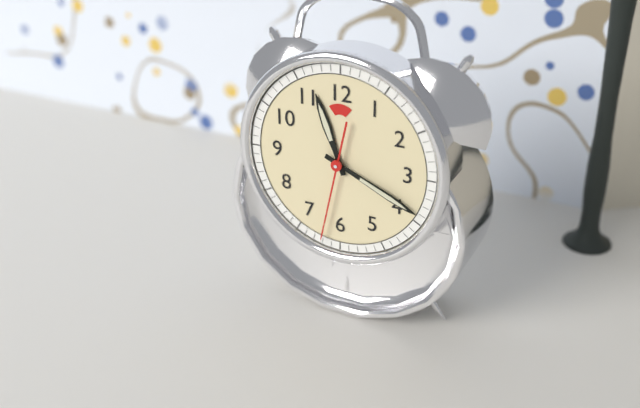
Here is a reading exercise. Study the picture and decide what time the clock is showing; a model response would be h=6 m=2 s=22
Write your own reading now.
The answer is h=11 m=19 s=32
